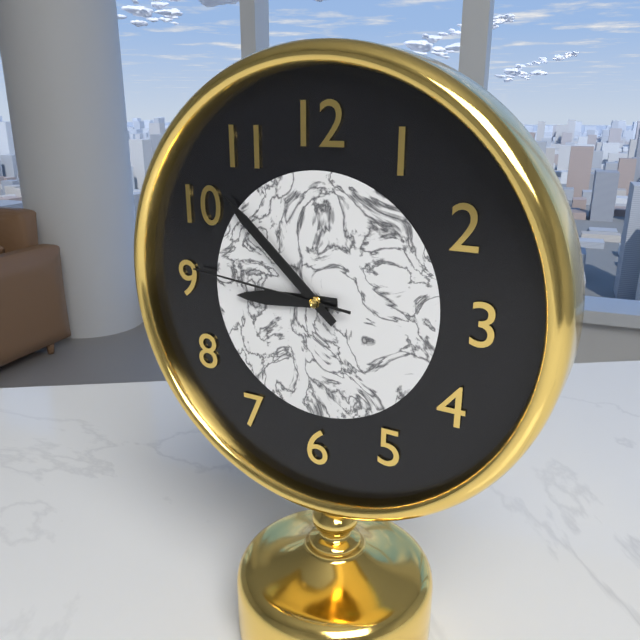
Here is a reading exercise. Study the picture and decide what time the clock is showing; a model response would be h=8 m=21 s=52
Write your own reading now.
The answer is h=8 m=52 s=46
